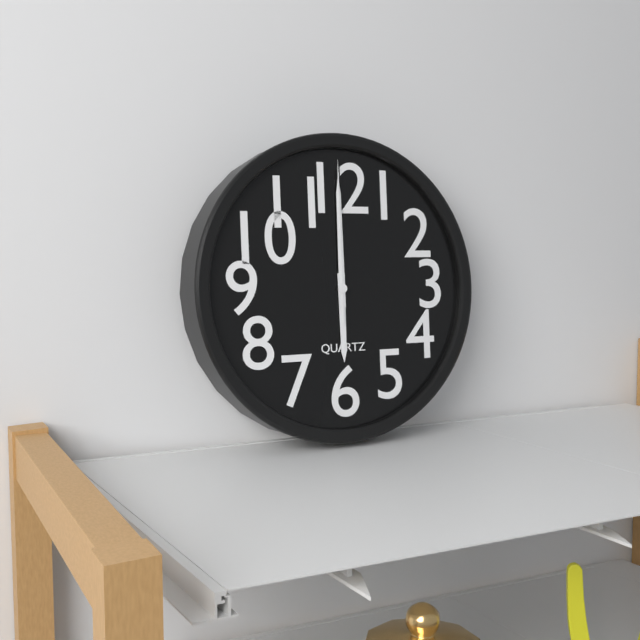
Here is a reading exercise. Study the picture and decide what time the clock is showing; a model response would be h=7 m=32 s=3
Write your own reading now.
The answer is h=6 m=0 s=0
